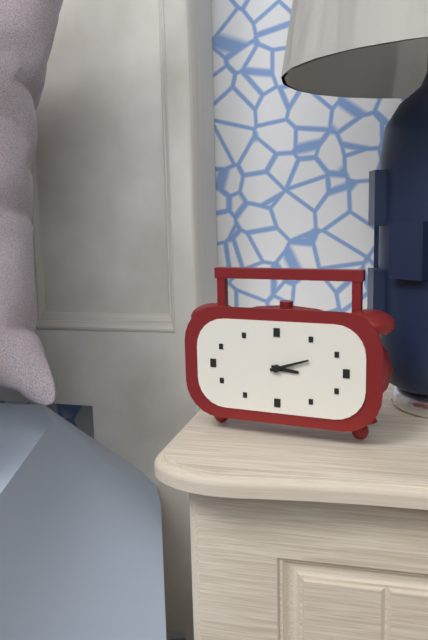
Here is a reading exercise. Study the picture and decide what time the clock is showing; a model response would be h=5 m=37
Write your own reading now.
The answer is h=3 m=12
